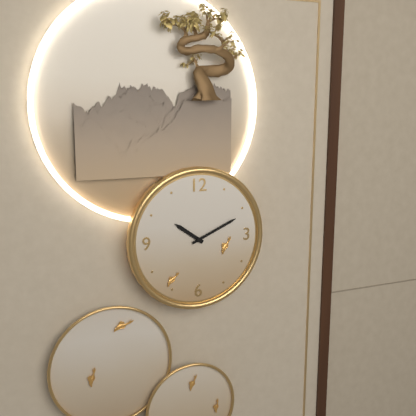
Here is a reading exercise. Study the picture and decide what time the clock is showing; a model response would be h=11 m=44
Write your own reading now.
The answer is h=10 m=11
